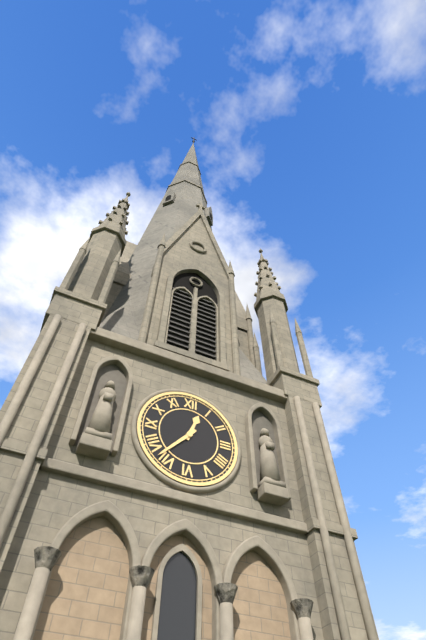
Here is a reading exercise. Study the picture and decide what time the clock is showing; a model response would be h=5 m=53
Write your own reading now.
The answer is h=12 m=37
